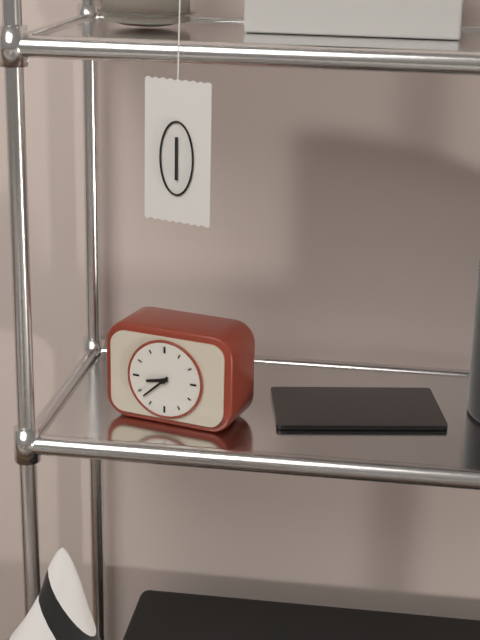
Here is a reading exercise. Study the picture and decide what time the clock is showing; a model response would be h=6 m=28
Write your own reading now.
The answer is h=8 m=38
